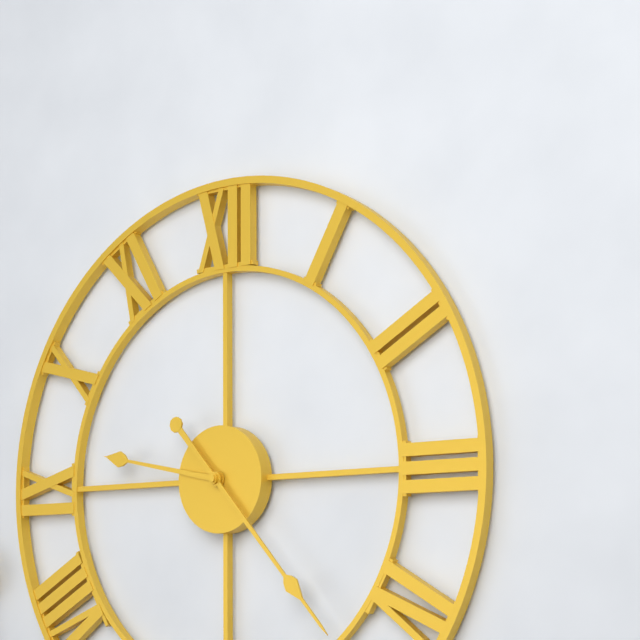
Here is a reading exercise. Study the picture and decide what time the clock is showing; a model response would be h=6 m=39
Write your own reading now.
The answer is h=9 m=23
